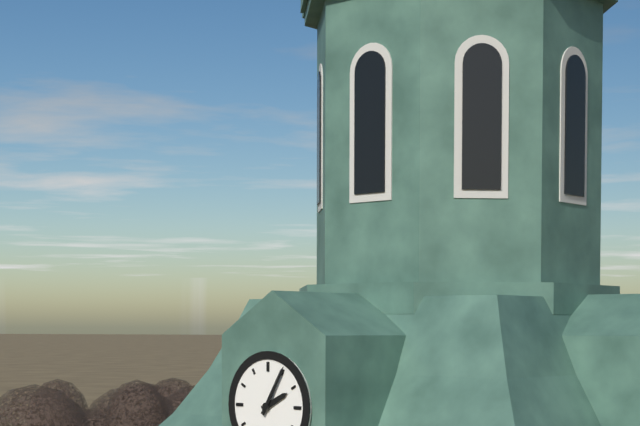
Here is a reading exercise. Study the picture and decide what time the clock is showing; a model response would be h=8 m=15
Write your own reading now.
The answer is h=2 m=5
